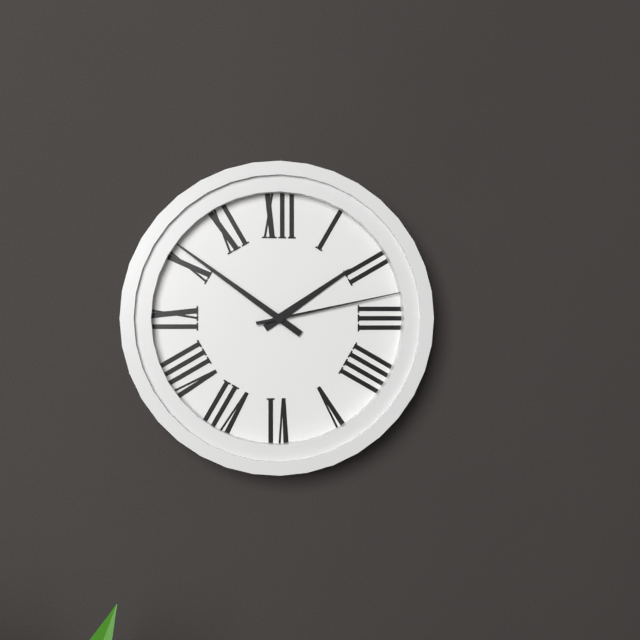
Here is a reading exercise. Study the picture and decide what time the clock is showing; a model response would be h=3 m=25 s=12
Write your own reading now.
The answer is h=1 m=51 s=13
